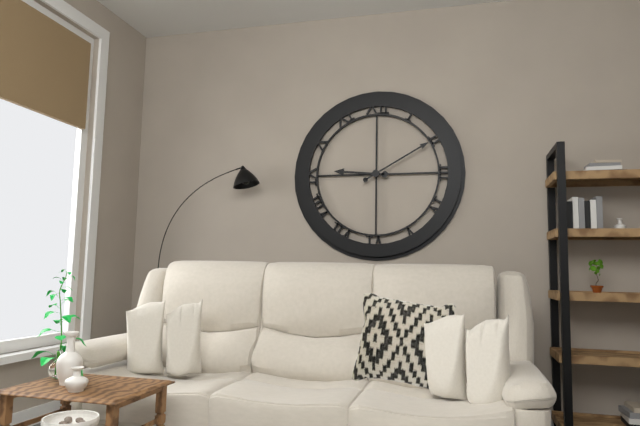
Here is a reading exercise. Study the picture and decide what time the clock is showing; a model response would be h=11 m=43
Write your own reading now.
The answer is h=9 m=10
